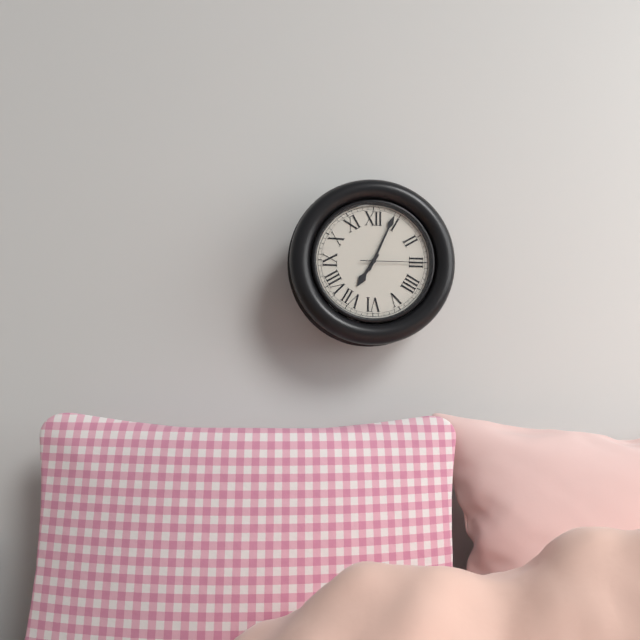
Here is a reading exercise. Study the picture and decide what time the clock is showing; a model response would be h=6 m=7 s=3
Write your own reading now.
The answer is h=7 m=4 s=15
